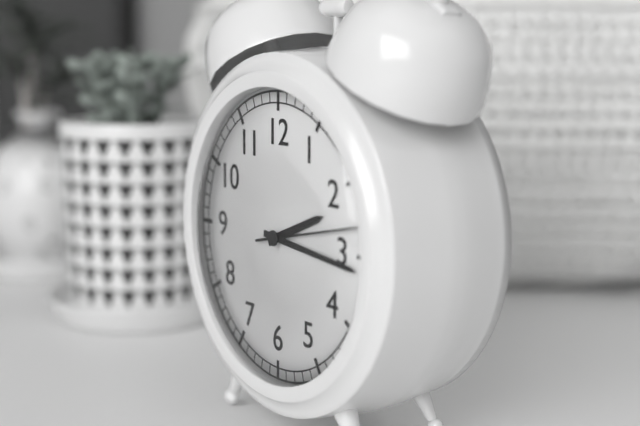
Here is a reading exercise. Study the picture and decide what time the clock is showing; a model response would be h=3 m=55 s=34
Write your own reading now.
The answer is h=2 m=16 s=13
